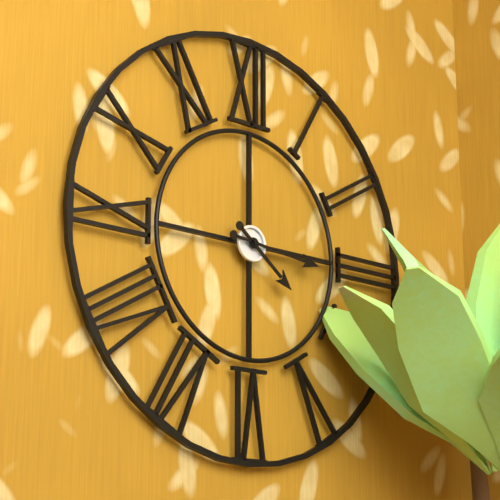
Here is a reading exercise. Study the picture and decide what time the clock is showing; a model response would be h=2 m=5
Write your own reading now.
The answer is h=4 m=16
